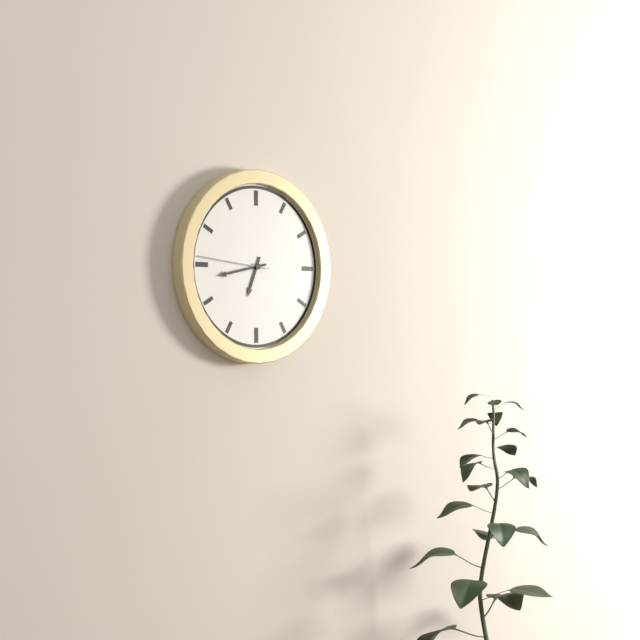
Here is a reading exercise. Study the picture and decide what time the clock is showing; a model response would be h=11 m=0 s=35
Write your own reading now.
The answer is h=6 m=43 s=46
